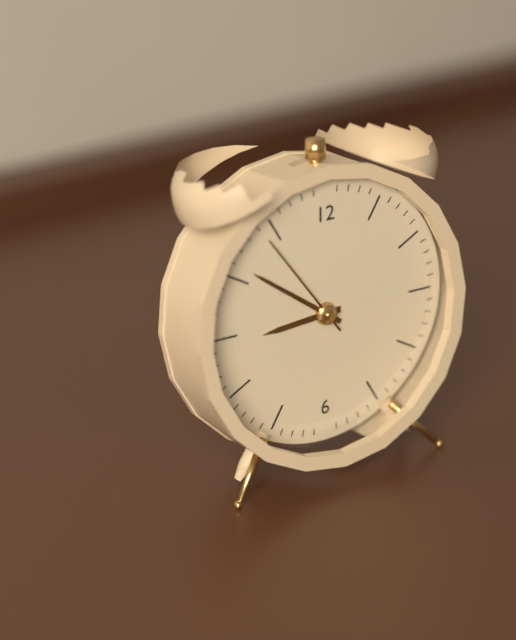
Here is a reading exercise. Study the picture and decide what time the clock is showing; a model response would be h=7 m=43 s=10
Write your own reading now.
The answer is h=8 m=51 s=54
